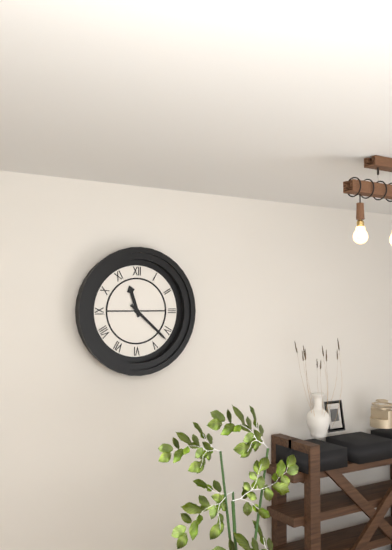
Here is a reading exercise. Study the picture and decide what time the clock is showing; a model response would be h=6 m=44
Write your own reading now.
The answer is h=11 m=22
